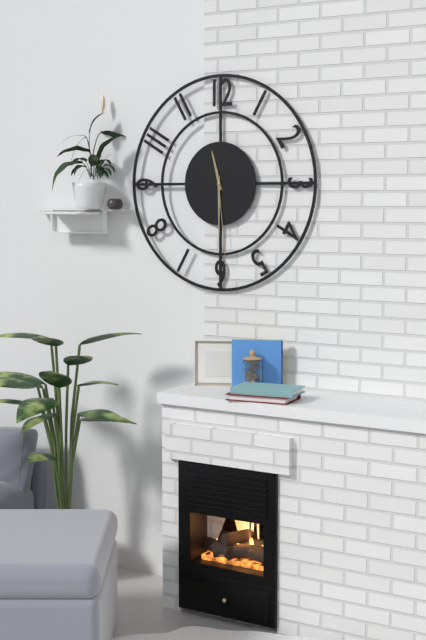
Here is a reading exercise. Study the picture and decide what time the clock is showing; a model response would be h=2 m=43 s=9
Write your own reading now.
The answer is h=11 m=30 s=29
